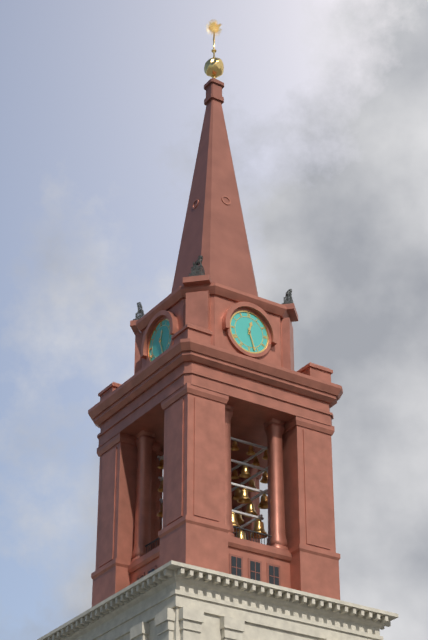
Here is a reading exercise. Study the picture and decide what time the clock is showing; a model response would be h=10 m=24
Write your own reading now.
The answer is h=12 m=27
